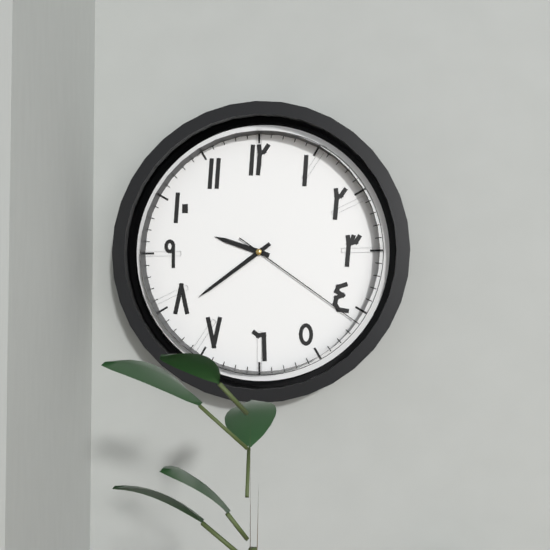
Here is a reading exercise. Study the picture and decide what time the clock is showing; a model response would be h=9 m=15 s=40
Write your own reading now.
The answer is h=9 m=39 s=21
